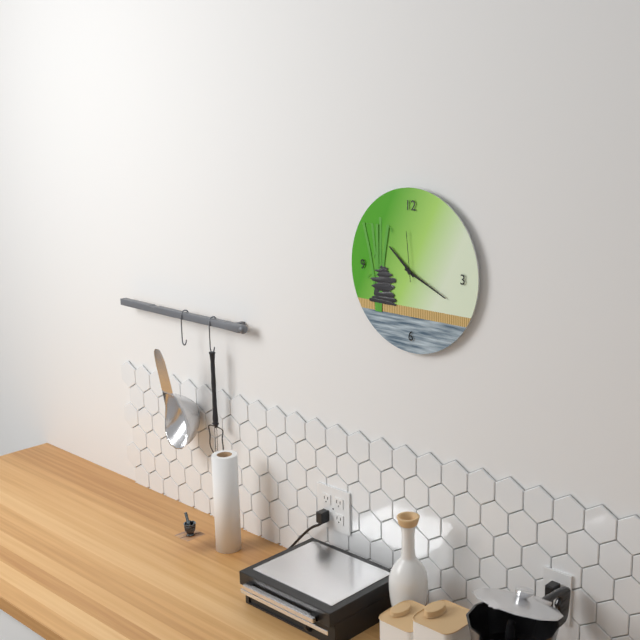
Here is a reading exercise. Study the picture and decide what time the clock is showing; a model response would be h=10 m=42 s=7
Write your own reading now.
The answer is h=10 m=19 s=59
